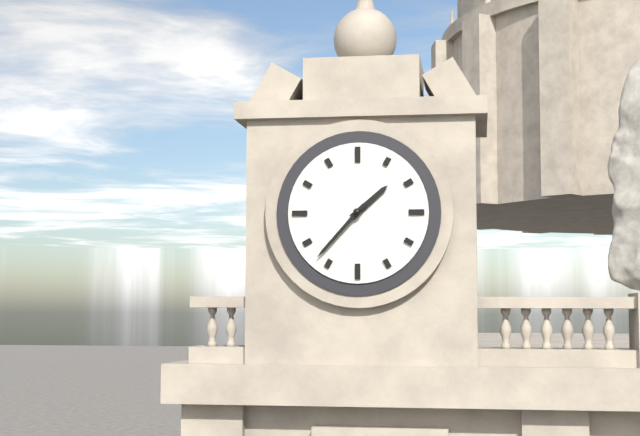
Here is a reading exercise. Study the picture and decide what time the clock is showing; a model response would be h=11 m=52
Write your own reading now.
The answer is h=1 m=37
